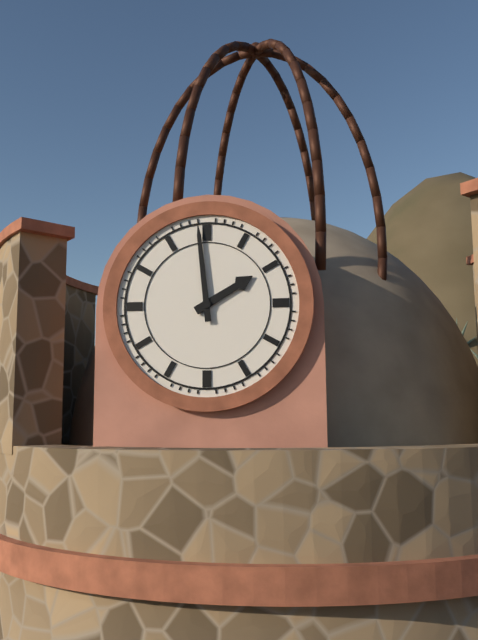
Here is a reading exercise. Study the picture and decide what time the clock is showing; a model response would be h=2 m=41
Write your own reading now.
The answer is h=1 m=59
